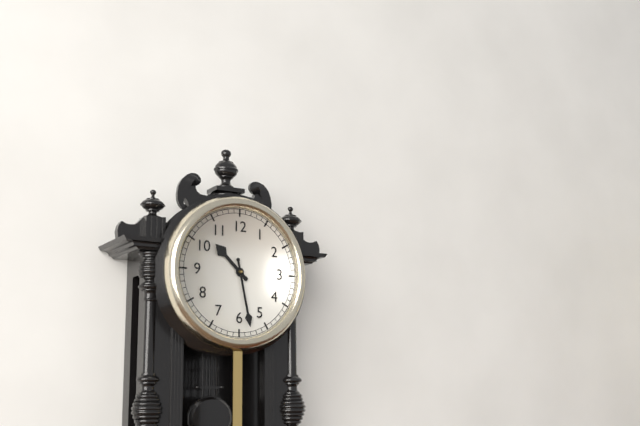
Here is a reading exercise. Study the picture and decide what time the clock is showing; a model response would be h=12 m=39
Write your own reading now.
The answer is h=10 m=28
